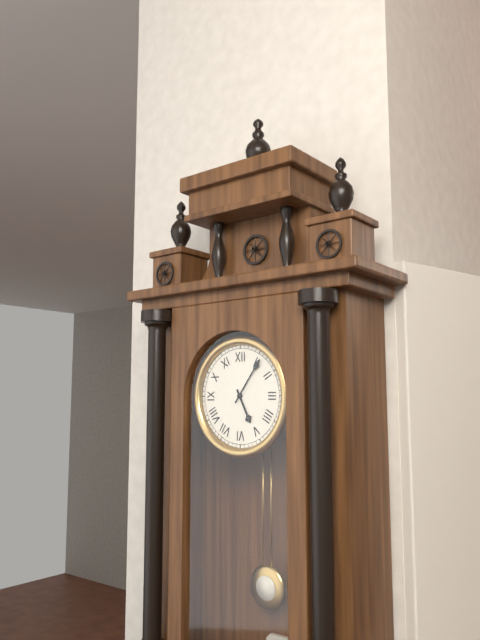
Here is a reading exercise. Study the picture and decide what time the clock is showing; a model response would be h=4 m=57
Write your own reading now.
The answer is h=5 m=6
